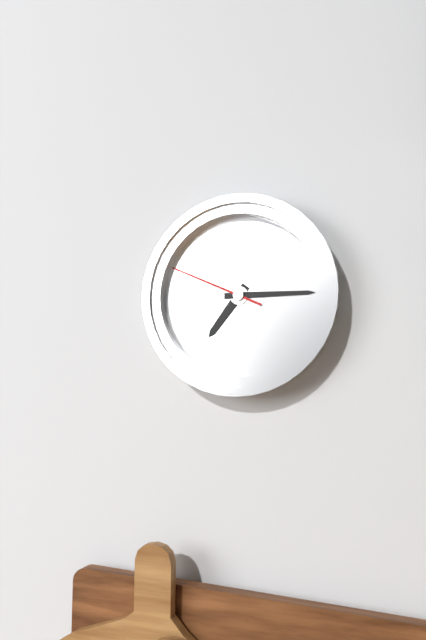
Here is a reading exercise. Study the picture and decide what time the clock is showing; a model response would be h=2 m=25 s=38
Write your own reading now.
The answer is h=7 m=15 s=49
